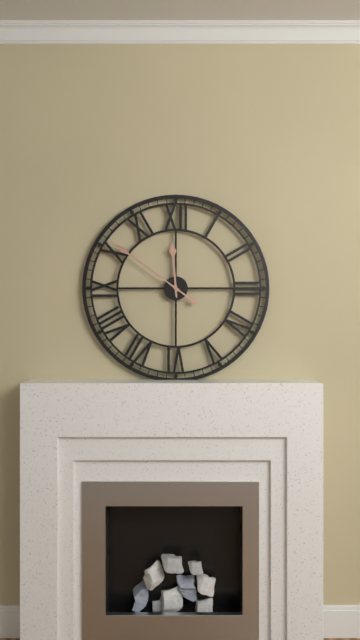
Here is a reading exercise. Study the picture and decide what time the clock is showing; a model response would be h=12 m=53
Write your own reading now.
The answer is h=11 m=51
